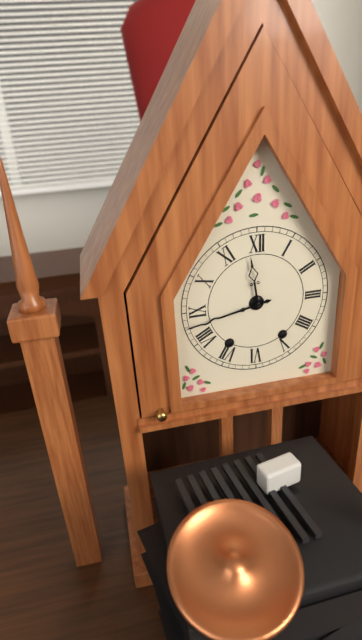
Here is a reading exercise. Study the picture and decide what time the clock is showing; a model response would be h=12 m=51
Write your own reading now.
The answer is h=11 m=43
